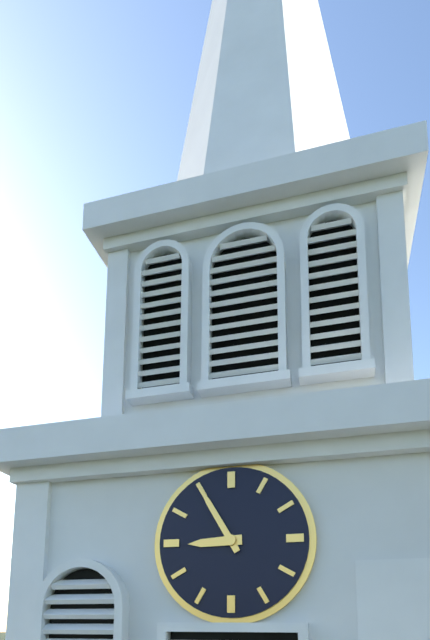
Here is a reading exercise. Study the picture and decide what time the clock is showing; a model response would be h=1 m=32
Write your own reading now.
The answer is h=8 m=55
